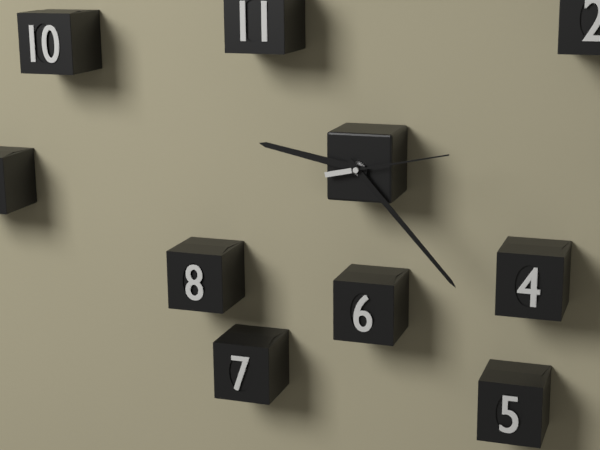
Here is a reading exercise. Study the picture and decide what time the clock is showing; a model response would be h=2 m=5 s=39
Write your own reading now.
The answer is h=9 m=23 s=13
